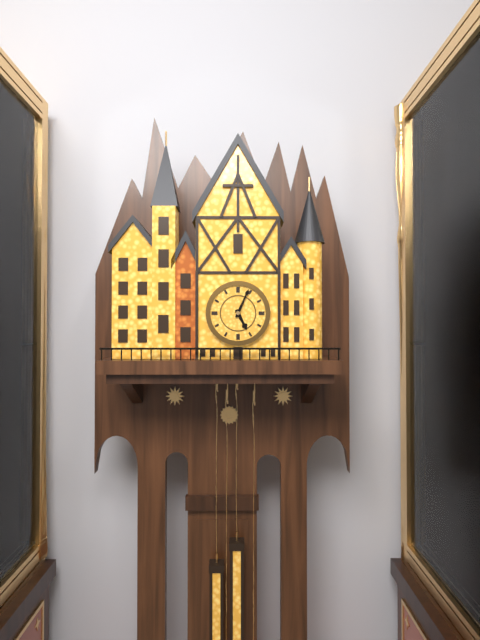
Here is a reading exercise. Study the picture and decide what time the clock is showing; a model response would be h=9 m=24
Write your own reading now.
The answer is h=5 m=4
